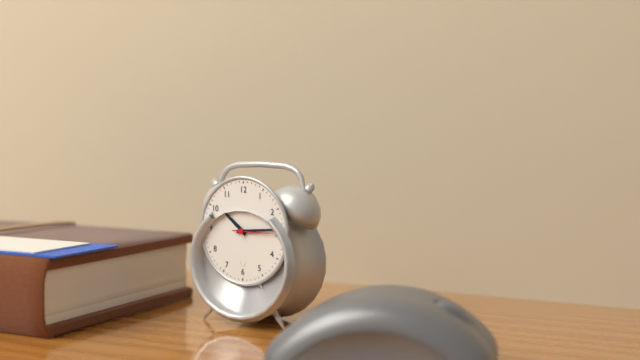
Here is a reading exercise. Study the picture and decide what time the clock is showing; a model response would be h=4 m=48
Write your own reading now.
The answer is h=10 m=14
